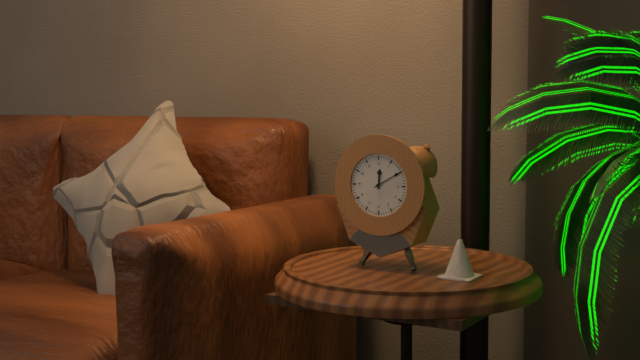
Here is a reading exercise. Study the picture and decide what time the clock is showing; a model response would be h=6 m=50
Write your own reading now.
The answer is h=12 m=10
